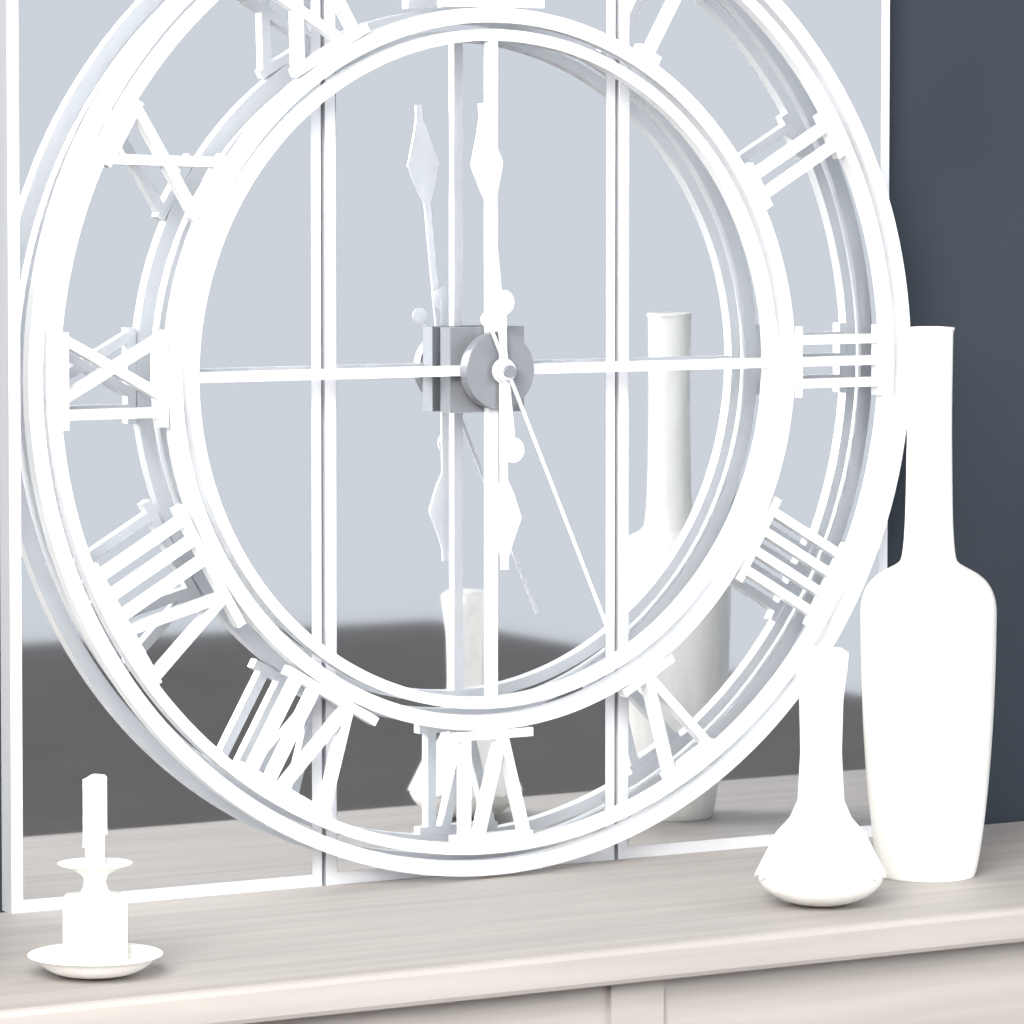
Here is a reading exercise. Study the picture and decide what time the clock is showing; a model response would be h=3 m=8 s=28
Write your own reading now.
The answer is h=5 m=59 s=26
